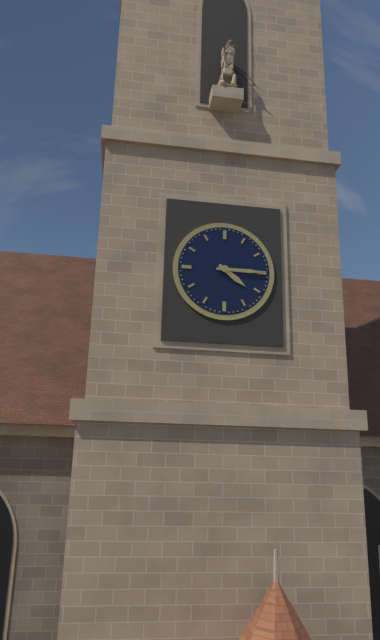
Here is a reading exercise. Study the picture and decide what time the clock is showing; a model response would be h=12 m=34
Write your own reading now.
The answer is h=4 m=15
